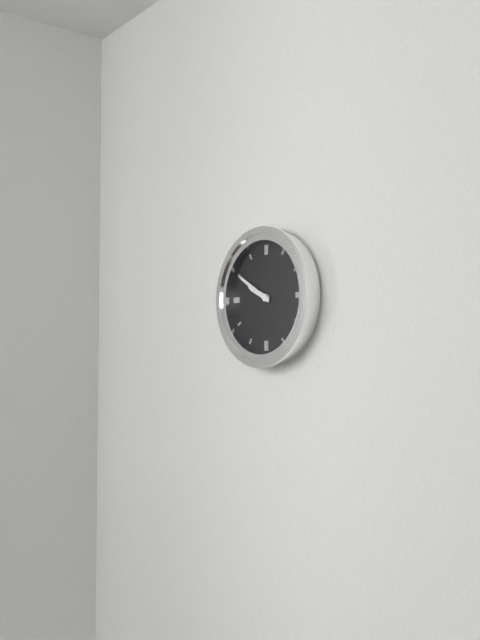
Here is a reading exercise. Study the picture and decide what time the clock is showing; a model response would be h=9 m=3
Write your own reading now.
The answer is h=9 m=50
